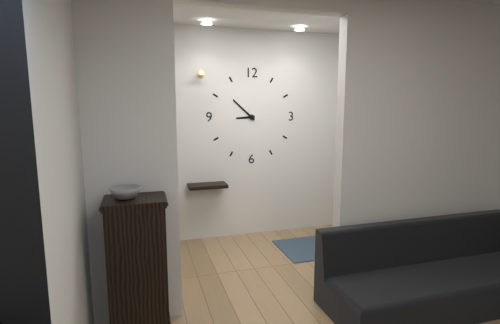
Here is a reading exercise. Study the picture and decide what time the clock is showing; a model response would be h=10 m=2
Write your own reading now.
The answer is h=8 m=52
